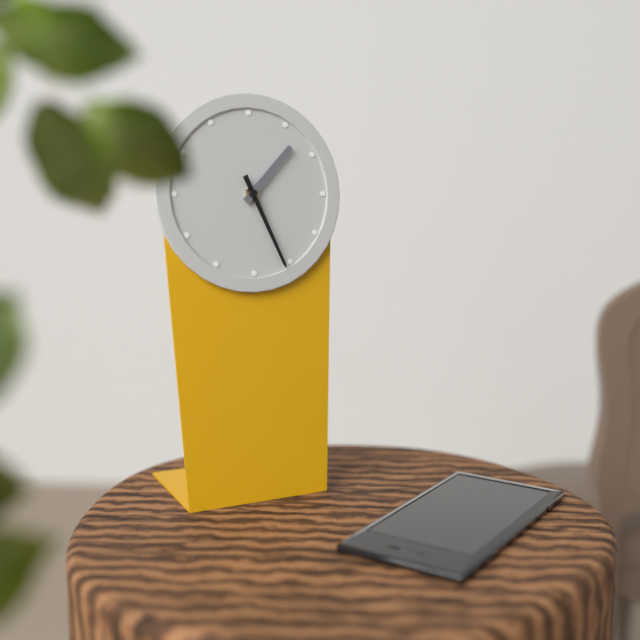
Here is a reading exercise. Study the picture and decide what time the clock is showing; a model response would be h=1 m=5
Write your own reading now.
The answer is h=1 m=26
